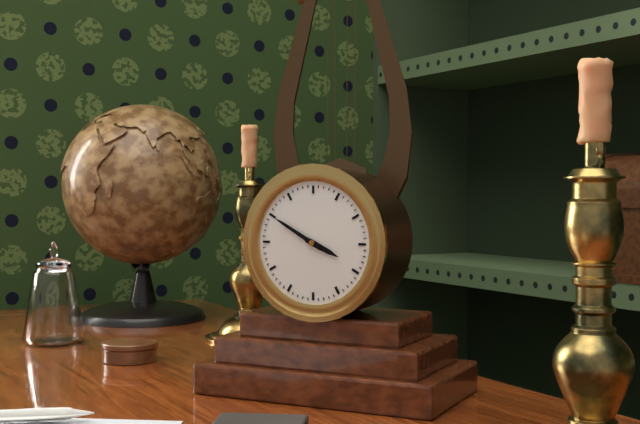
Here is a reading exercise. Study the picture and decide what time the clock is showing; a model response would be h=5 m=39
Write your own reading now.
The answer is h=3 m=50
